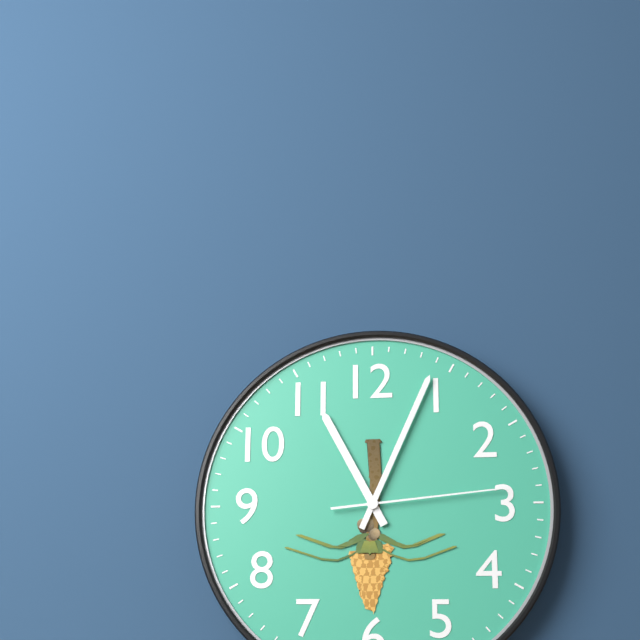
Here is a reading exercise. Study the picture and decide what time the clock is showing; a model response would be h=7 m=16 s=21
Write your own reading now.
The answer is h=11 m=4 s=14
